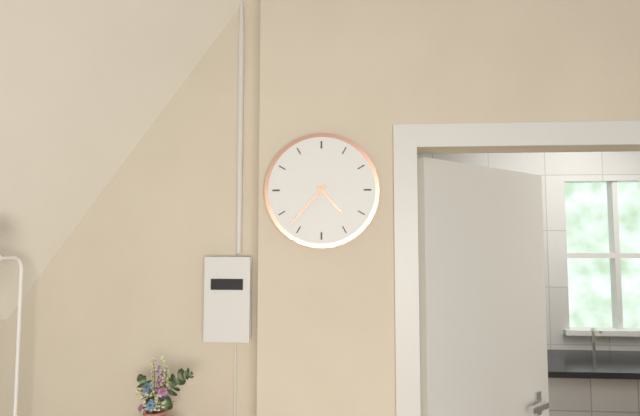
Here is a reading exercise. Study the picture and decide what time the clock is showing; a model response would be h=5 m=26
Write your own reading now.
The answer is h=4 m=37
